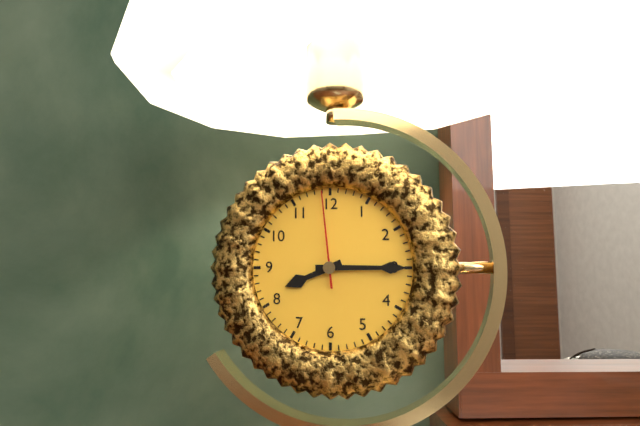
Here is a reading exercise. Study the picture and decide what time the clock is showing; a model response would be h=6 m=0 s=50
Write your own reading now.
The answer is h=8 m=15 s=59
